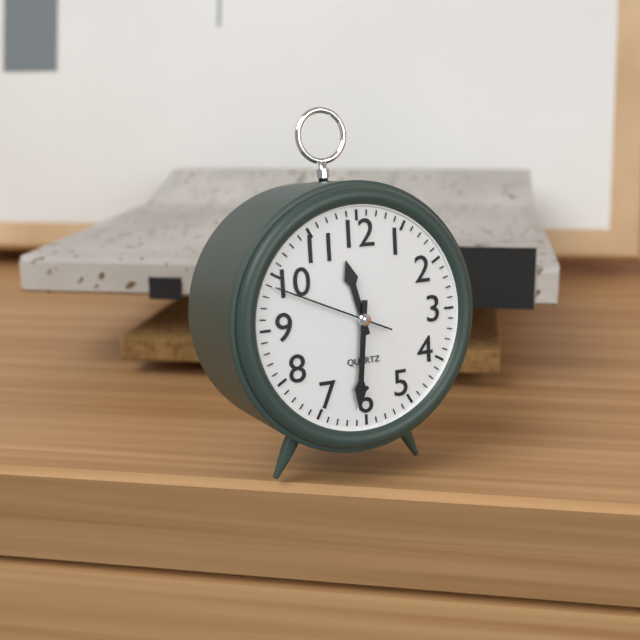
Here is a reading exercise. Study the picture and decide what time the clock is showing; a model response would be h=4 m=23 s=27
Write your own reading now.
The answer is h=11 m=31 s=49
